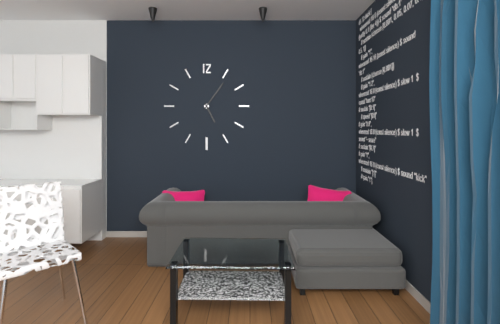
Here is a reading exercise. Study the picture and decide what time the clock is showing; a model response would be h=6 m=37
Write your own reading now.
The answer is h=5 m=6
